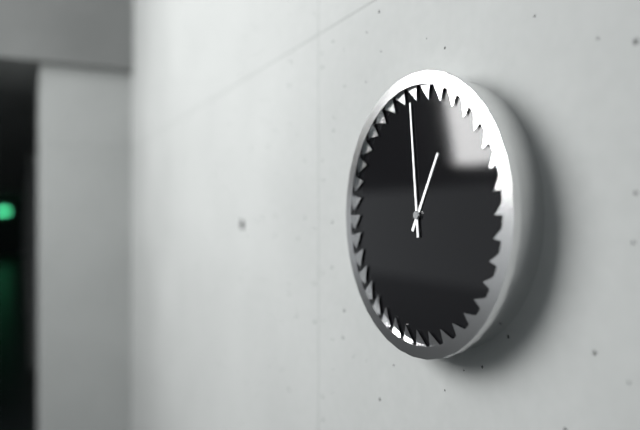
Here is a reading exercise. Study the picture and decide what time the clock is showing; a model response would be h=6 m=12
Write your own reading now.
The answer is h=12 m=59
